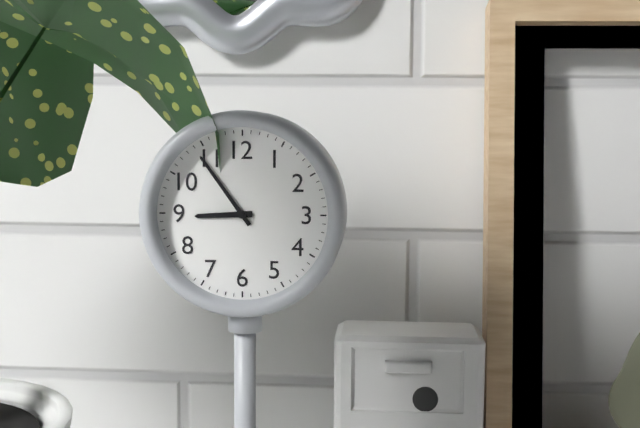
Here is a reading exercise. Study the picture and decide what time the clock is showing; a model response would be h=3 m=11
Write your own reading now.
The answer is h=8 m=54
